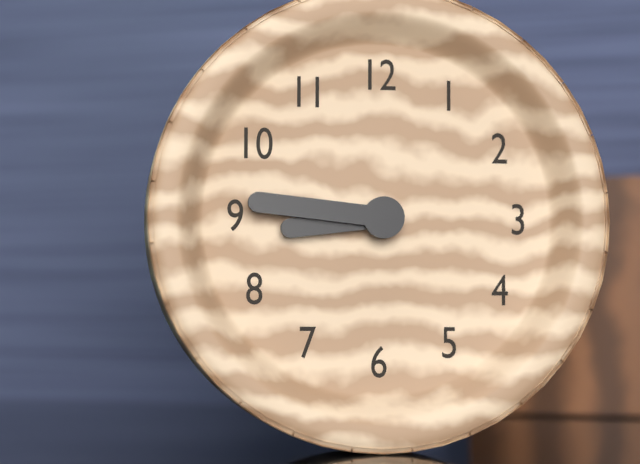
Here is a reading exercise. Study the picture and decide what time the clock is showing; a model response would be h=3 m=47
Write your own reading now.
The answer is h=8 m=46
